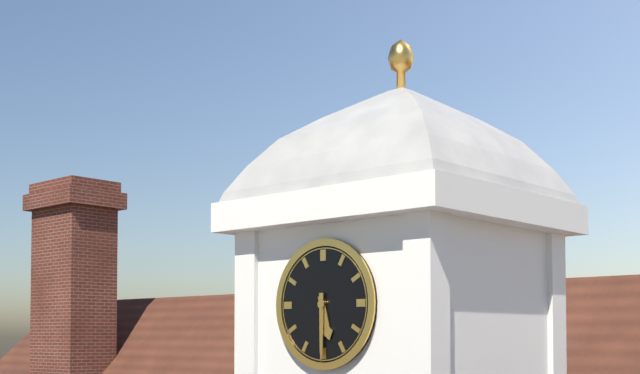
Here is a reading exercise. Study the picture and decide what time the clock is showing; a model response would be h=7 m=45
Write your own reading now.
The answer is h=5 m=30
